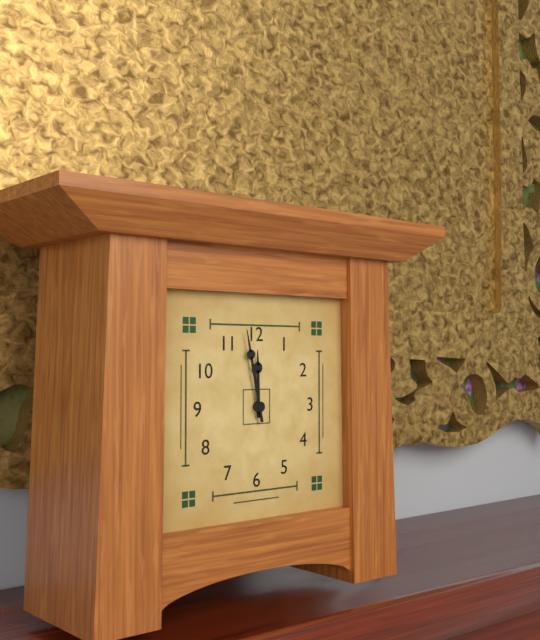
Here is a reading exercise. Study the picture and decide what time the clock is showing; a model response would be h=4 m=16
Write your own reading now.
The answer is h=11 m=58
